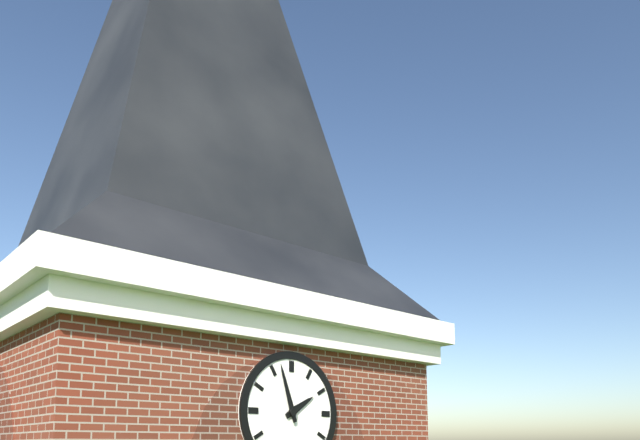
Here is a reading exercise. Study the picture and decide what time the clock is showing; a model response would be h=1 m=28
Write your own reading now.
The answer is h=1 m=57
